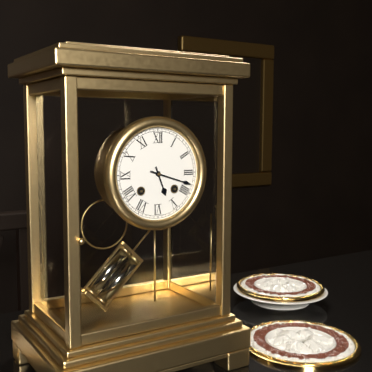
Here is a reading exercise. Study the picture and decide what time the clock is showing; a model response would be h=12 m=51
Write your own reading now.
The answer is h=5 m=18
